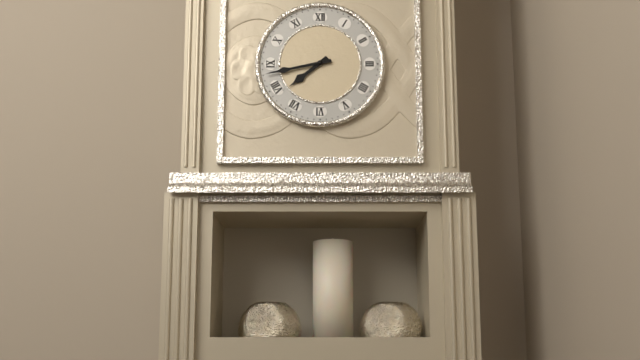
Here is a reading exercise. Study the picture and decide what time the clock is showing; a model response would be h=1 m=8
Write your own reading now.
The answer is h=7 m=43
